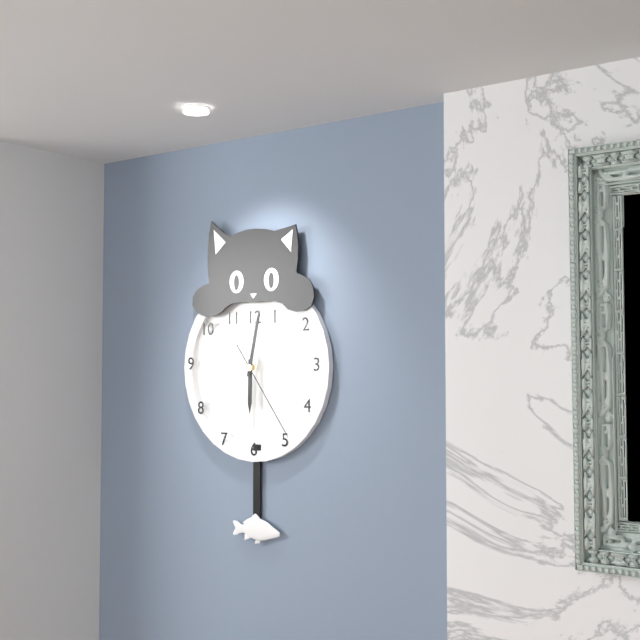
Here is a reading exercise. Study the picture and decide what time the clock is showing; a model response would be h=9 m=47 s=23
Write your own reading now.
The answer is h=6 m=2 s=24
